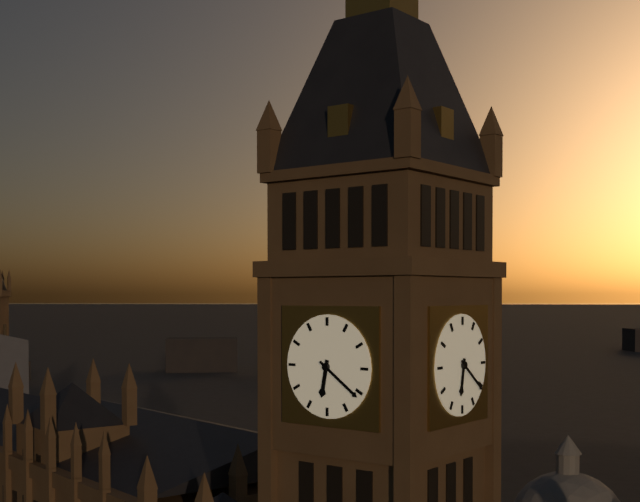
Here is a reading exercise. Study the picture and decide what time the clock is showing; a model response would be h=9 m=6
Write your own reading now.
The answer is h=6 m=21
